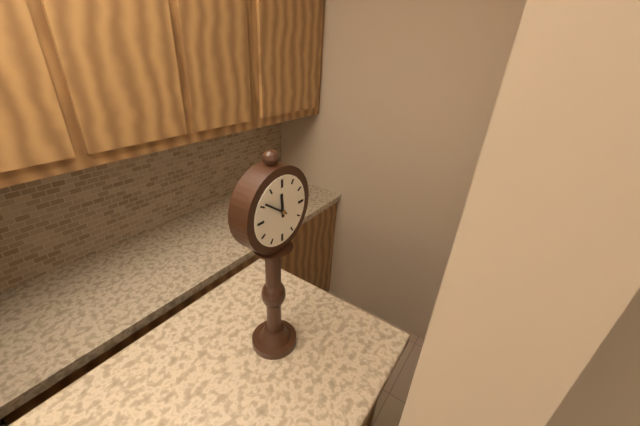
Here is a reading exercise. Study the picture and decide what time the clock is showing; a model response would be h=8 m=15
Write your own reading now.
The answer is h=11 m=51
